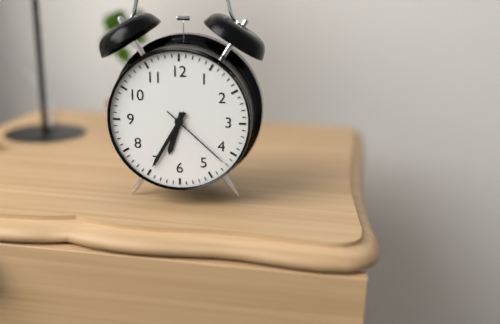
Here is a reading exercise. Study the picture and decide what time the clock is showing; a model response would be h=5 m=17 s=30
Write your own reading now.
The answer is h=6 m=35 s=22
